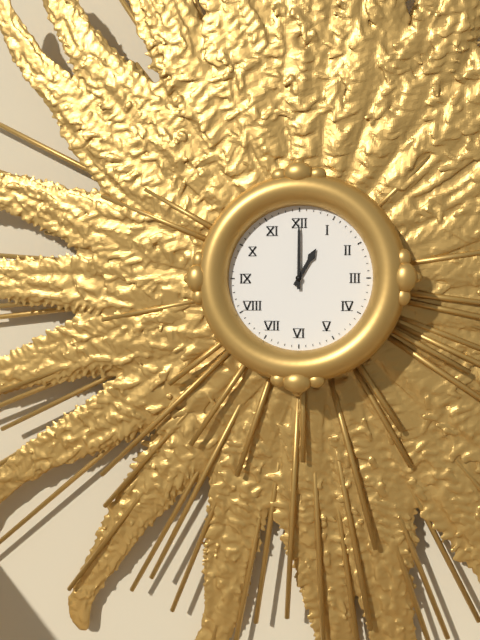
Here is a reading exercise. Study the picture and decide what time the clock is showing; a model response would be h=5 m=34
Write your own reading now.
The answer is h=1 m=0
